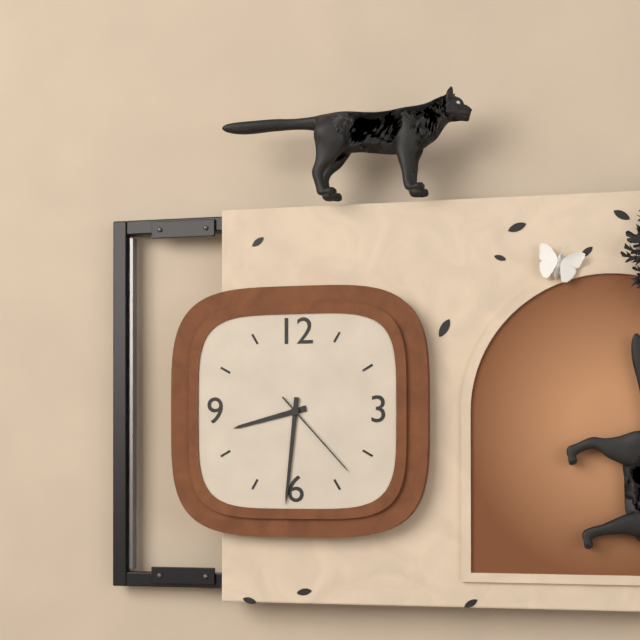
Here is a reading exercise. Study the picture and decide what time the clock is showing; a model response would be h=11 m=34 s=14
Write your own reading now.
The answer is h=8 m=31 s=23
